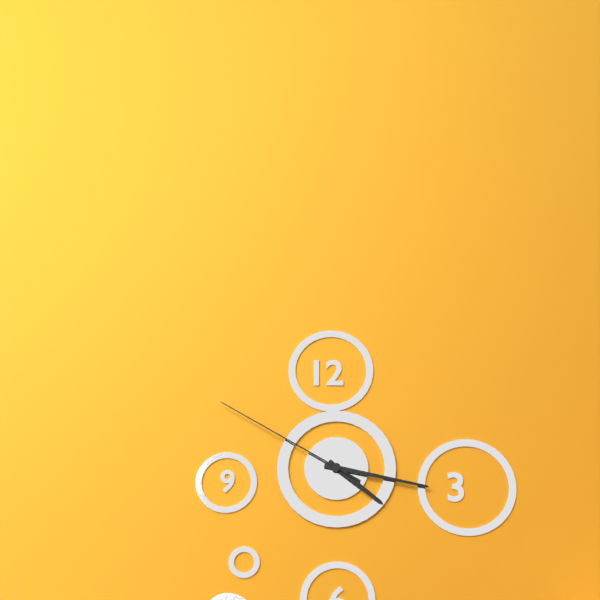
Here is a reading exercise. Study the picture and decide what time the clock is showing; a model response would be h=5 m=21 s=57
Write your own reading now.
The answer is h=4 m=17 s=50
